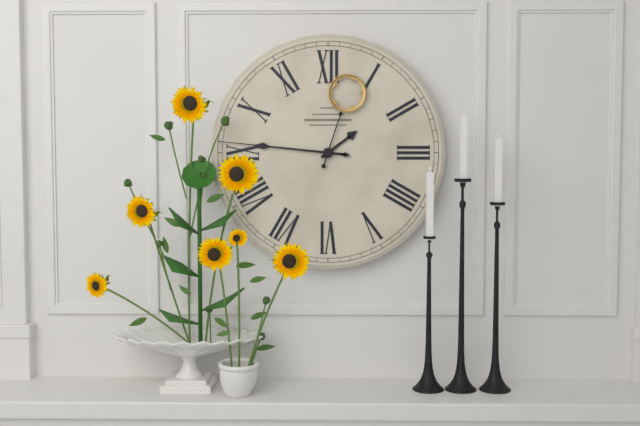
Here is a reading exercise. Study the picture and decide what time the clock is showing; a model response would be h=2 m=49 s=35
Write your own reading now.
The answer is h=1 m=46 s=3
